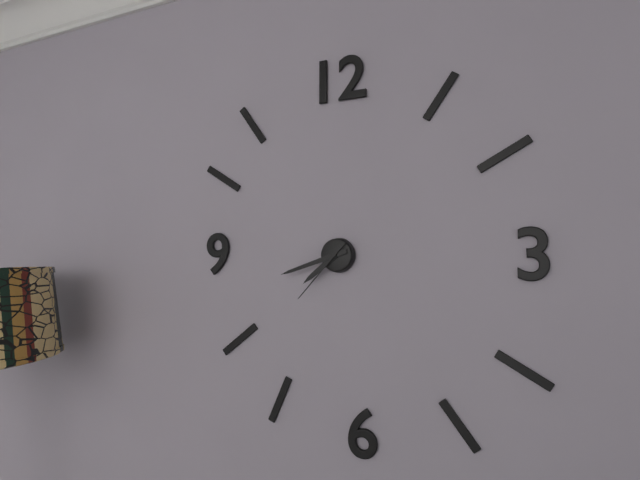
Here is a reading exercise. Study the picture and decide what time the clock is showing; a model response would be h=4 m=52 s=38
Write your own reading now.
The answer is h=7 m=42 s=37
